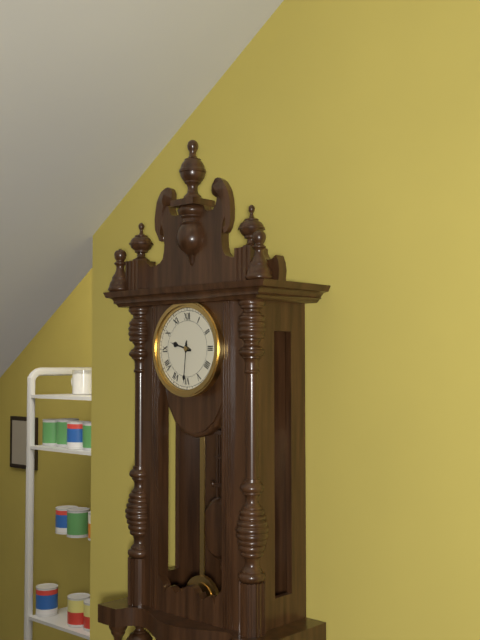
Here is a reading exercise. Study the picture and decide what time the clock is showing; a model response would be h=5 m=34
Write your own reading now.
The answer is h=9 m=31
